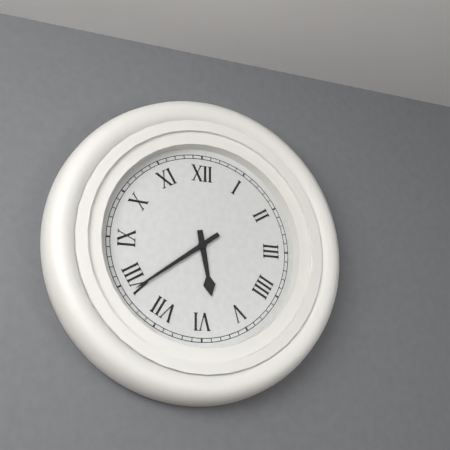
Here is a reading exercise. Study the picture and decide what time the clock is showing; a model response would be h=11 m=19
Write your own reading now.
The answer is h=5 m=39
